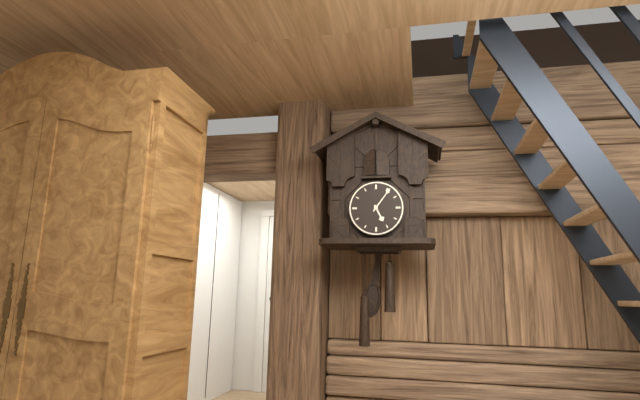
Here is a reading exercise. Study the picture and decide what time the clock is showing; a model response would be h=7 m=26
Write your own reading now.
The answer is h=5 m=6
